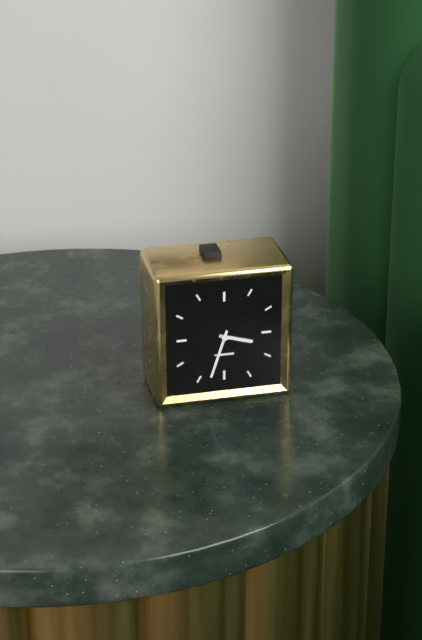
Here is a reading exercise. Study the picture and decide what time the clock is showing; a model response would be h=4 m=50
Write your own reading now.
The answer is h=3 m=33
